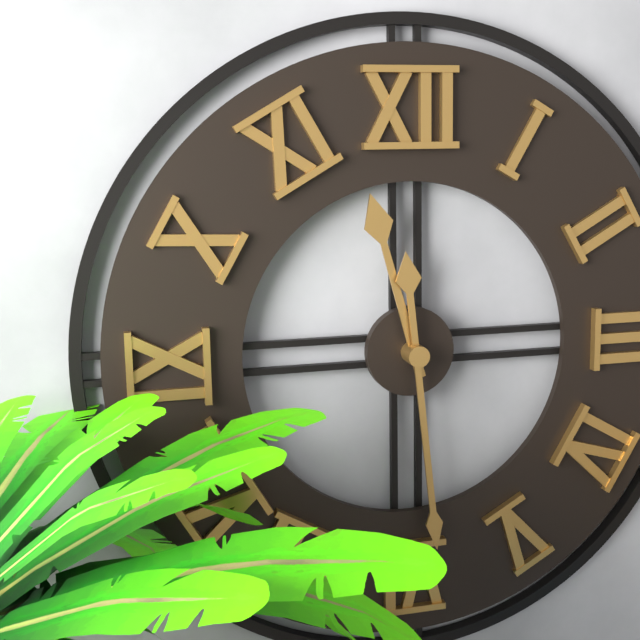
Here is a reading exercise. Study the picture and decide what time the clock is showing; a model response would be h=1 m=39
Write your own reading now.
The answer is h=11 m=29
